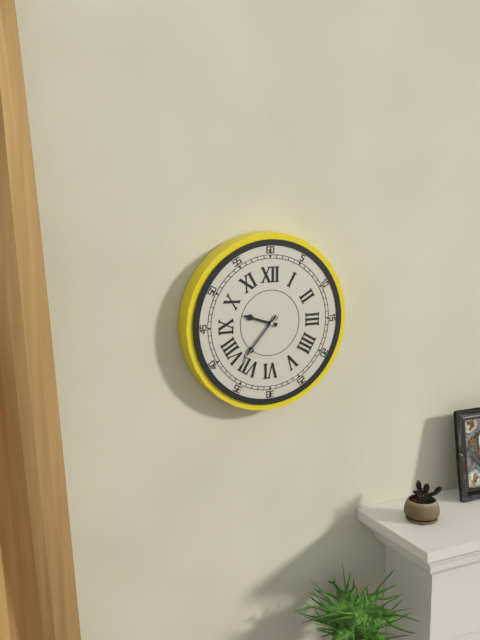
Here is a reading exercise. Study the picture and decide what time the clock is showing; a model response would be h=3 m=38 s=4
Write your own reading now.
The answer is h=9 m=37 s=37
